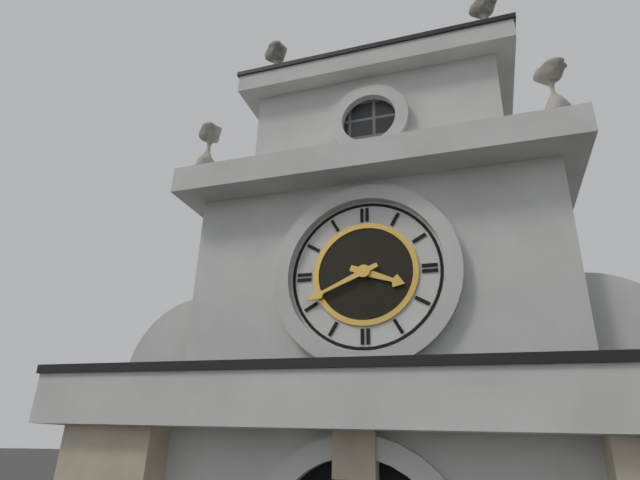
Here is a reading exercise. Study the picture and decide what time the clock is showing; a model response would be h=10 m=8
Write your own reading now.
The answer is h=3 m=41
